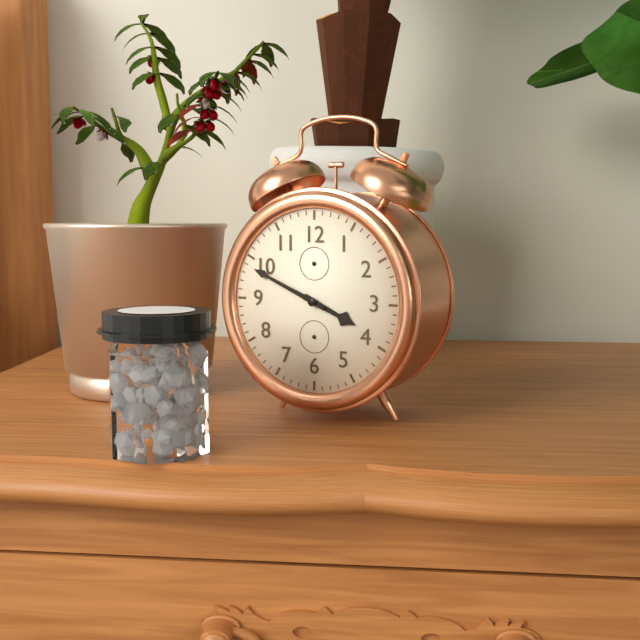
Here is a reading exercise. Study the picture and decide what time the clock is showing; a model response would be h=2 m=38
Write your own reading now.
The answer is h=3 m=49
